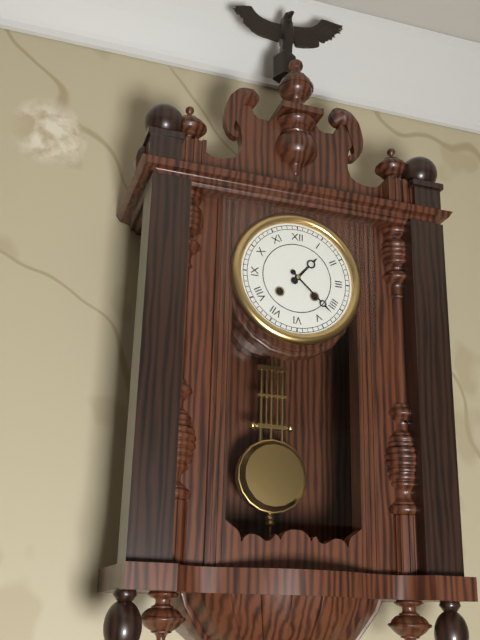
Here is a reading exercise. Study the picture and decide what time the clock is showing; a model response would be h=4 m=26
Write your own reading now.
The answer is h=1 m=22
